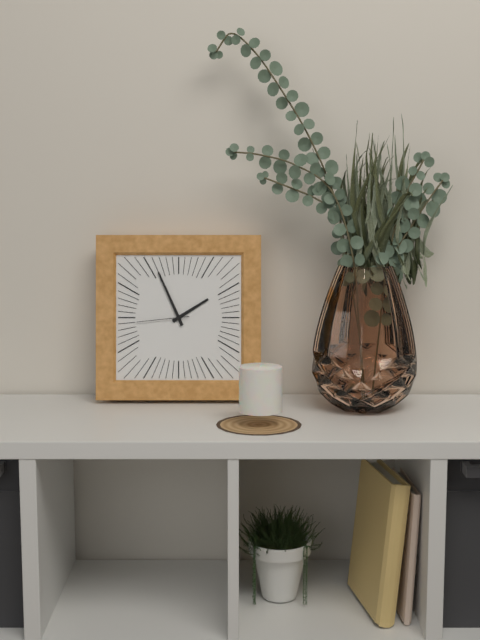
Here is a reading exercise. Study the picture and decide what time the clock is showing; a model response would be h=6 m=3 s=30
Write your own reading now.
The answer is h=1 m=56 s=44
